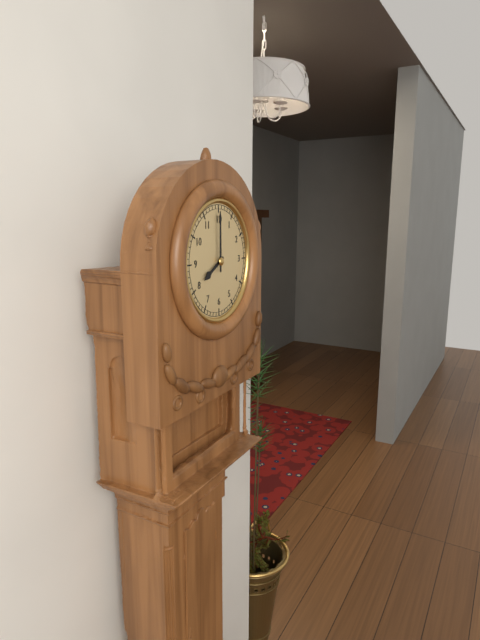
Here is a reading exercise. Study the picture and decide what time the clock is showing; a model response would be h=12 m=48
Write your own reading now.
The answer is h=8 m=0
